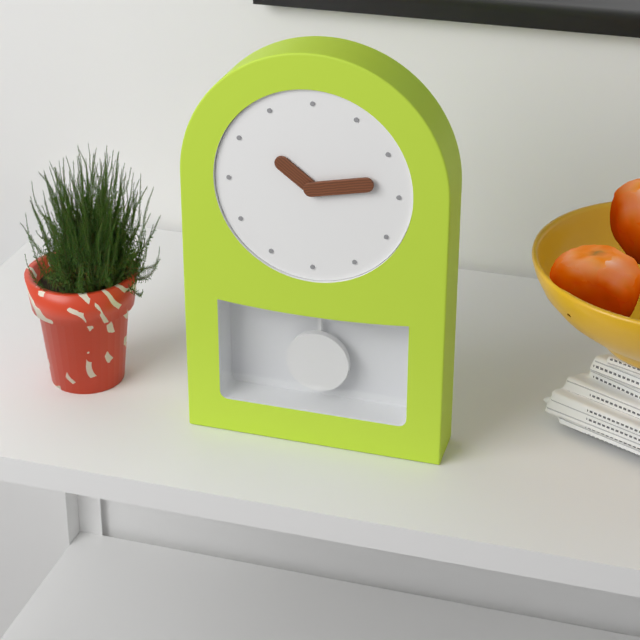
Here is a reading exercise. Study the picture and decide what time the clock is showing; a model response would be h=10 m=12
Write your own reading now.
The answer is h=10 m=13
